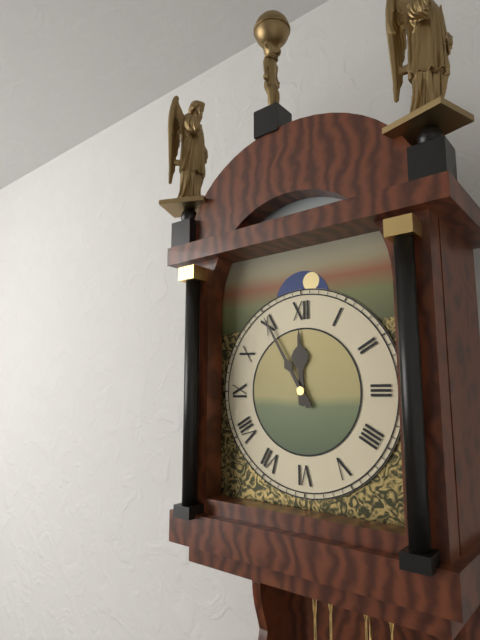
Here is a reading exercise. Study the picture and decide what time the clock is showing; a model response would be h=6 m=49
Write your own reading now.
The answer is h=11 m=55
